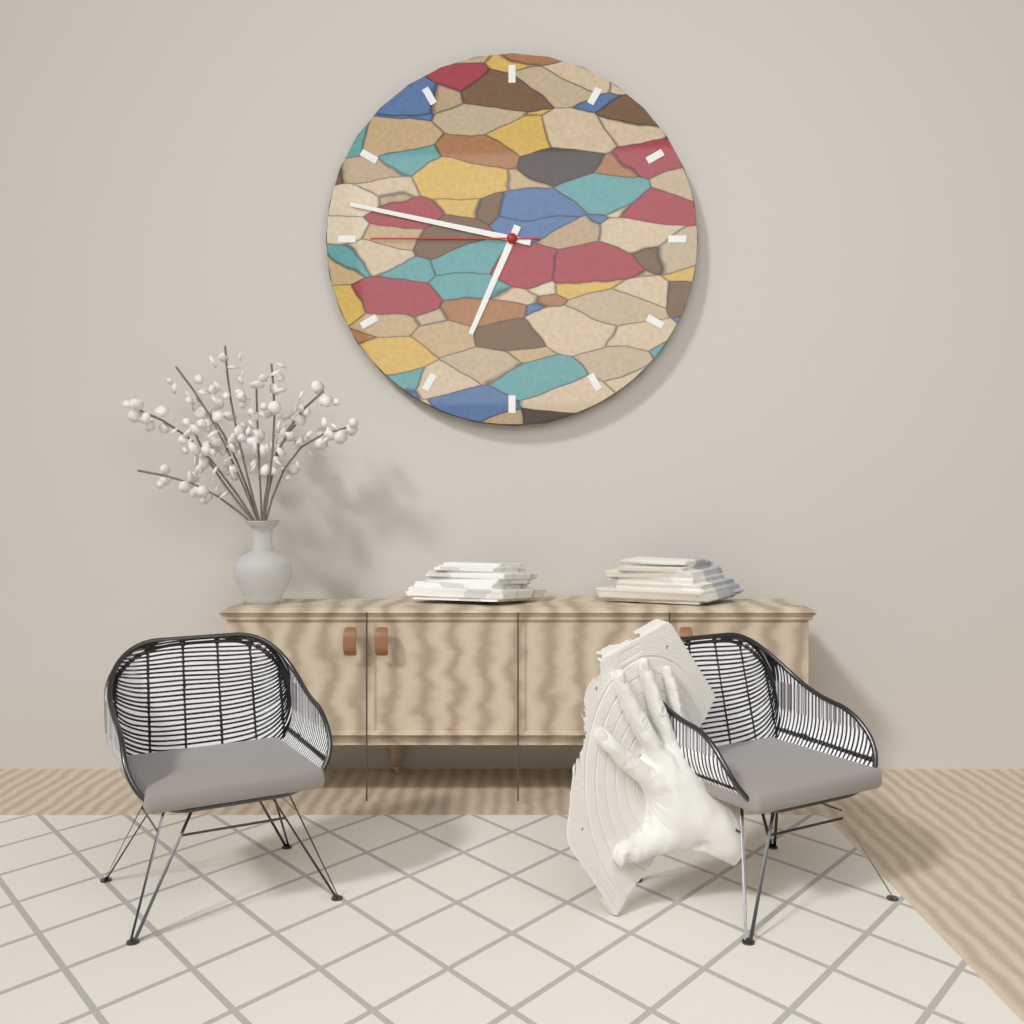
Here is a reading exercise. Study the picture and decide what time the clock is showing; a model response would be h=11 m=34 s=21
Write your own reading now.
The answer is h=6 m=47 s=45
